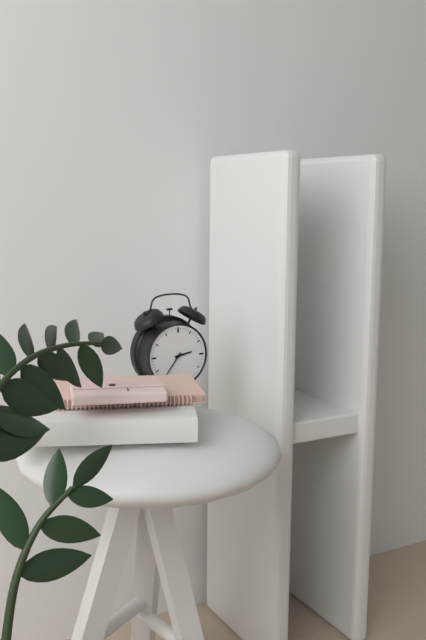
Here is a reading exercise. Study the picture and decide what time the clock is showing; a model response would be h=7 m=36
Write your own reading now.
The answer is h=2 m=36
